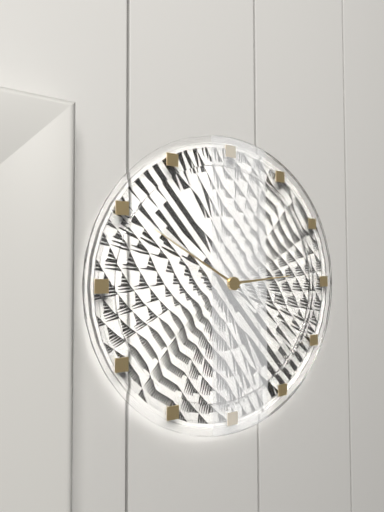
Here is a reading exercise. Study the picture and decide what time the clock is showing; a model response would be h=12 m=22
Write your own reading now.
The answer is h=2 m=50
